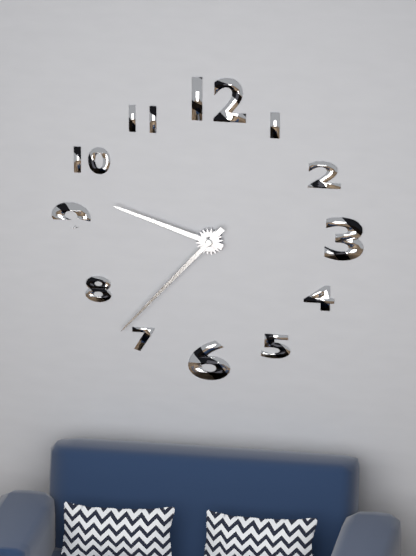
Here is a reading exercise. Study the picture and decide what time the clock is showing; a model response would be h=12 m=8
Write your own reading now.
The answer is h=9 m=37
